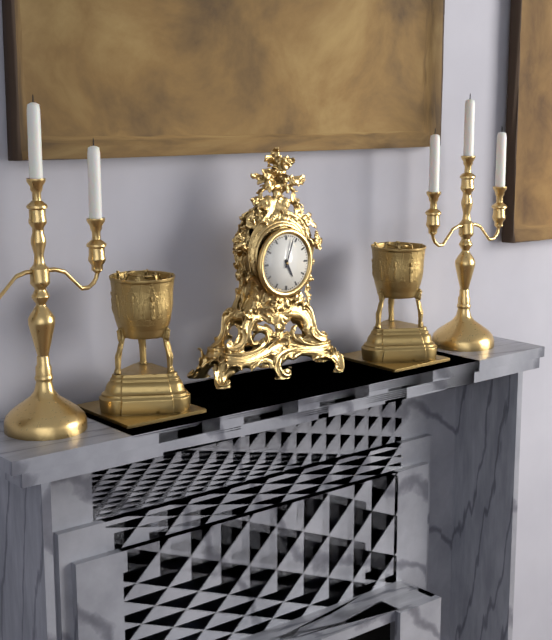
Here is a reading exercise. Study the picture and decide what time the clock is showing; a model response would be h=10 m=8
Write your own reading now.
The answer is h=5 m=3
